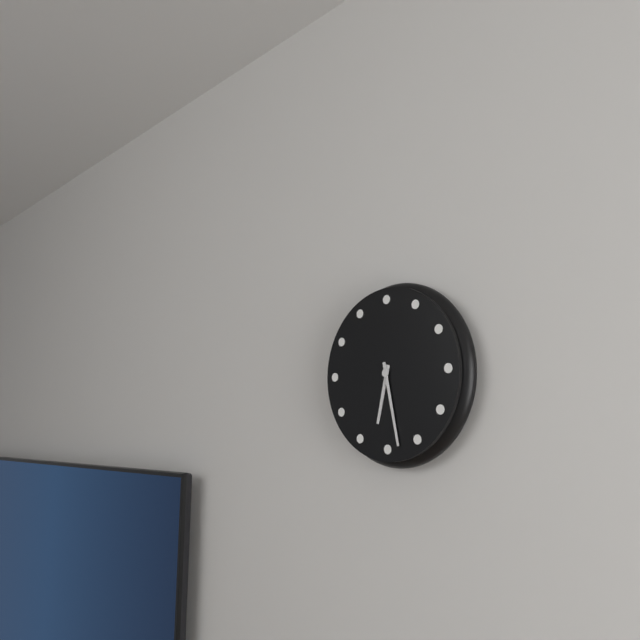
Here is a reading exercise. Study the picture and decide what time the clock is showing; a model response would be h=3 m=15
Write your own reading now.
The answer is h=6 m=28
